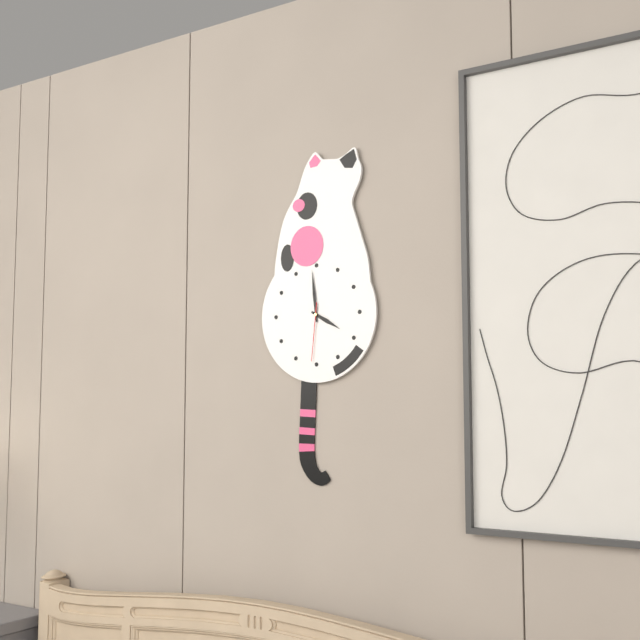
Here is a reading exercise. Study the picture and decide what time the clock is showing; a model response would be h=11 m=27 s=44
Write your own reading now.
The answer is h=3 m=59 s=31
